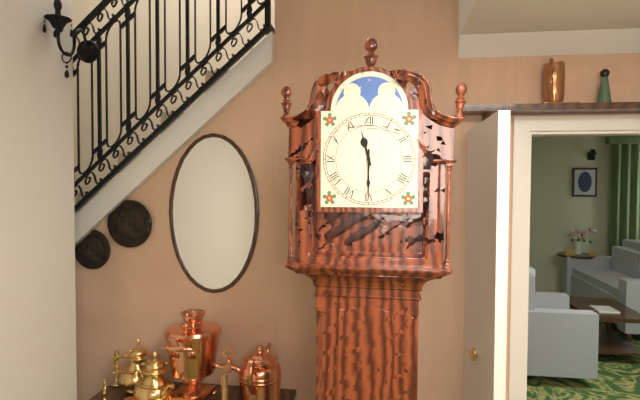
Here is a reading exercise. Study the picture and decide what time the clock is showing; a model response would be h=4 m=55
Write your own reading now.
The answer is h=11 m=30
